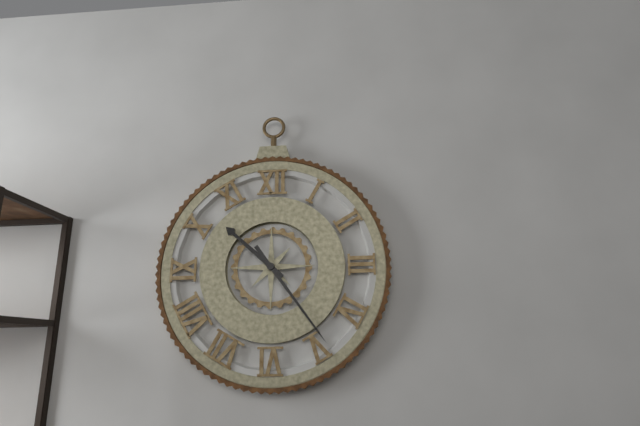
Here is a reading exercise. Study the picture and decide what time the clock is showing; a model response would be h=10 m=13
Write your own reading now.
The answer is h=10 m=24
